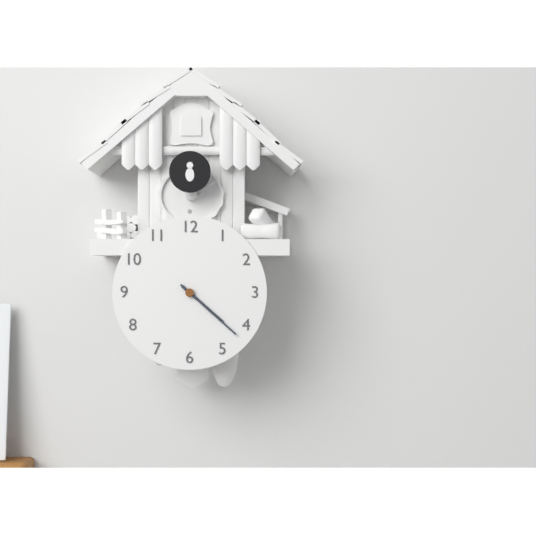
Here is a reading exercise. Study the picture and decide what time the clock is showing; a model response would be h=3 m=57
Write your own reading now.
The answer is h=4 m=22
